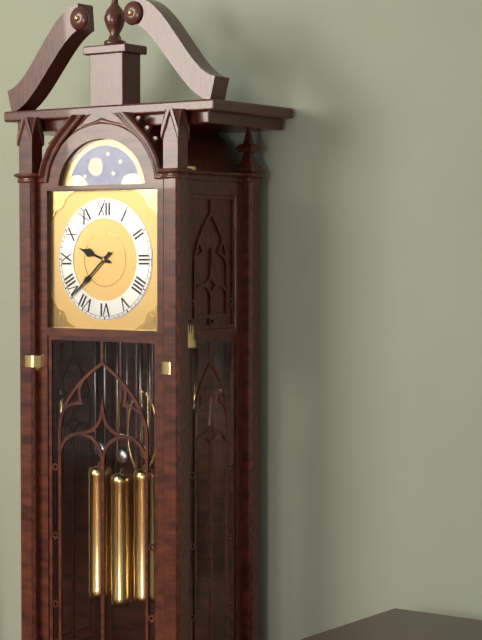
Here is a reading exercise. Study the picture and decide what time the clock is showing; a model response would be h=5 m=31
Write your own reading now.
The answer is h=9 m=38
